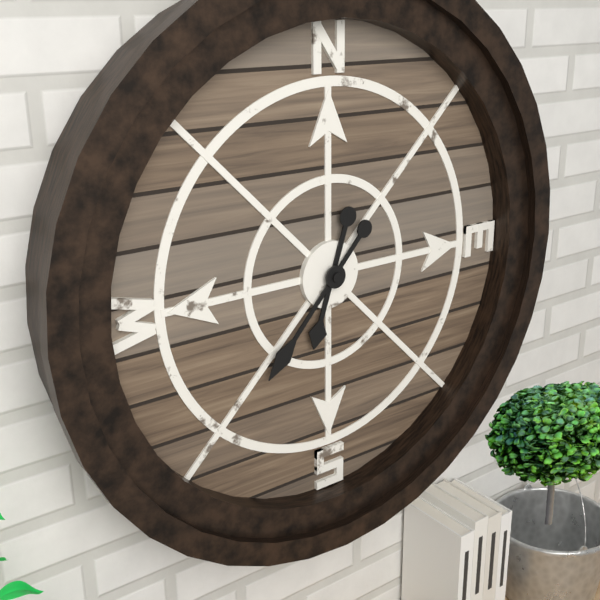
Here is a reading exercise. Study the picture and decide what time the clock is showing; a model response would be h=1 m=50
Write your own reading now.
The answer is h=6 m=37
